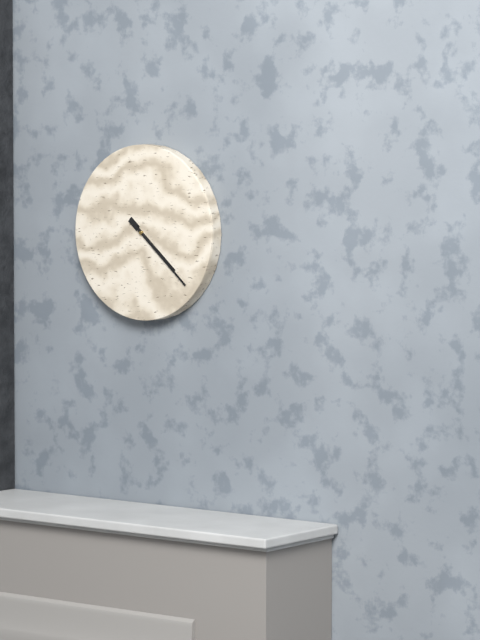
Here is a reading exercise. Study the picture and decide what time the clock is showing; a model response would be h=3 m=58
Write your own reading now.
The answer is h=4 m=22
